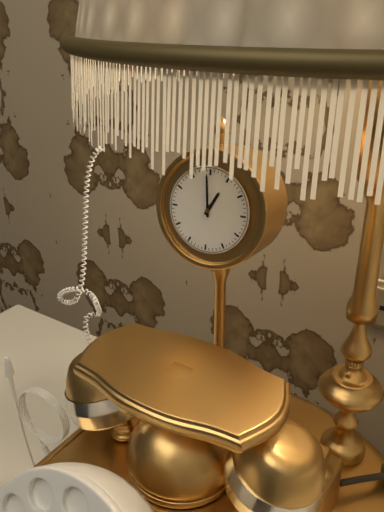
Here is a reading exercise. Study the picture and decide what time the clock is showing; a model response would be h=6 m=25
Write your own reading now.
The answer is h=12 m=59
